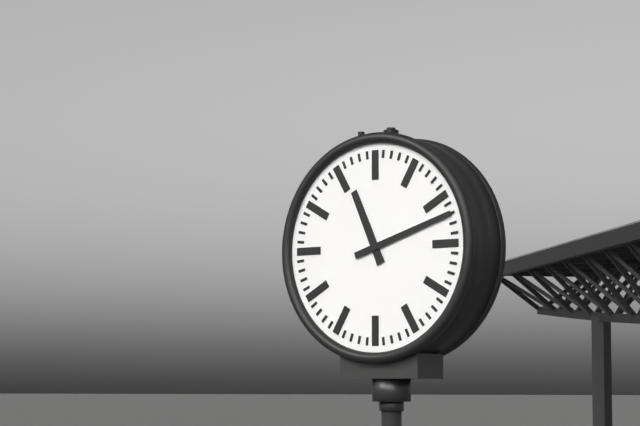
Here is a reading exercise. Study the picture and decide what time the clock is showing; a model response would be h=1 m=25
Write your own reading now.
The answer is h=11 m=12
